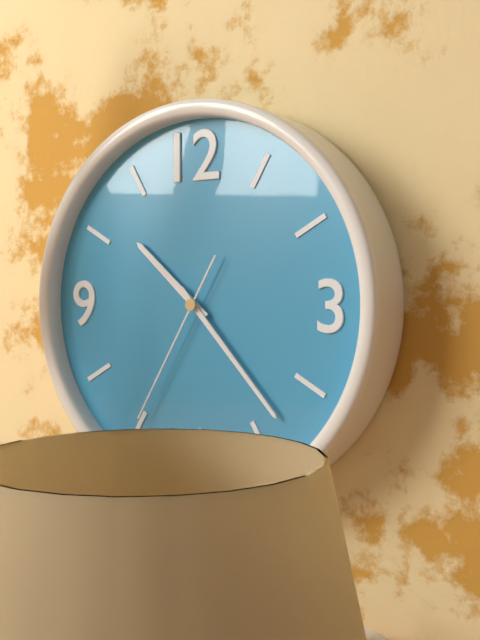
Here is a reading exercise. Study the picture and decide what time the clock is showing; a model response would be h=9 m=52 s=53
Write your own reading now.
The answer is h=10 m=23 s=35
